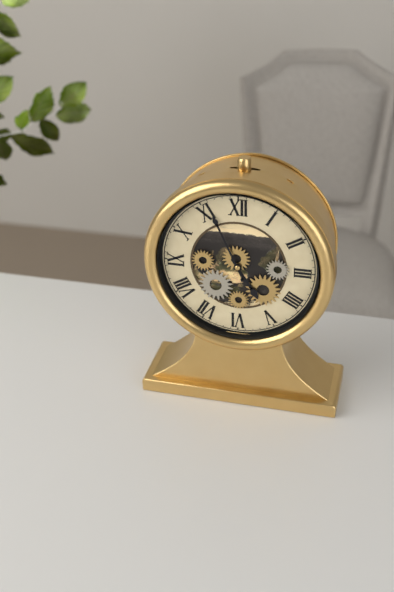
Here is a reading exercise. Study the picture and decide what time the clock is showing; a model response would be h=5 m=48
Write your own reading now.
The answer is h=4 m=56
